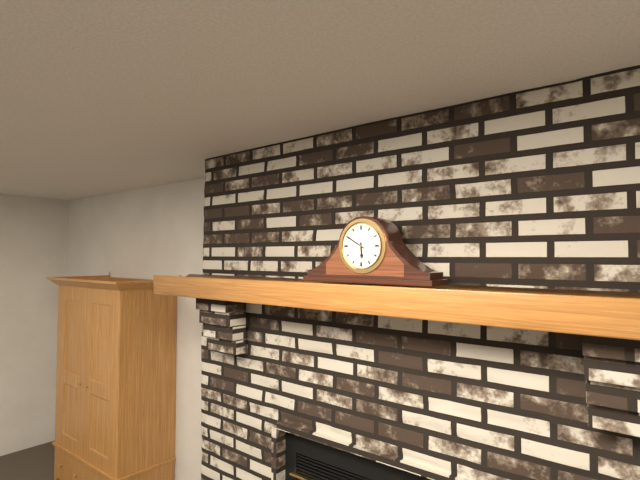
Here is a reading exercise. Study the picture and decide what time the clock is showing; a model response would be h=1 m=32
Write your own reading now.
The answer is h=5 m=50
